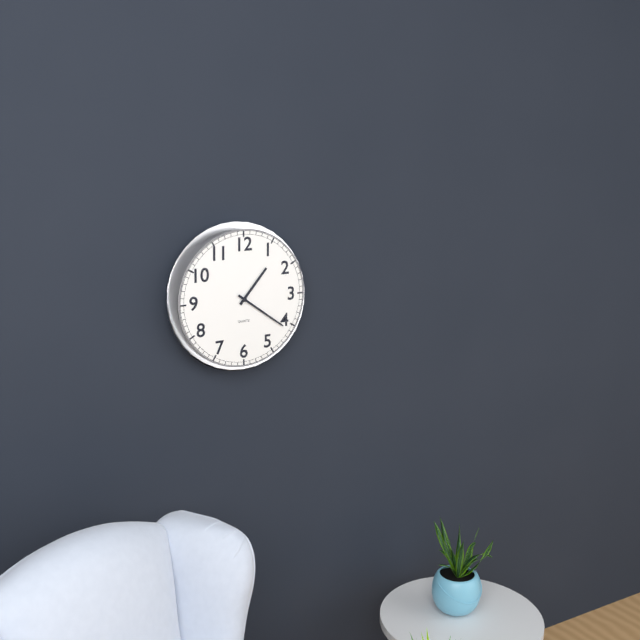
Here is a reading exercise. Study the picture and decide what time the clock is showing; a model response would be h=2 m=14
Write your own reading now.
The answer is h=1 m=21
